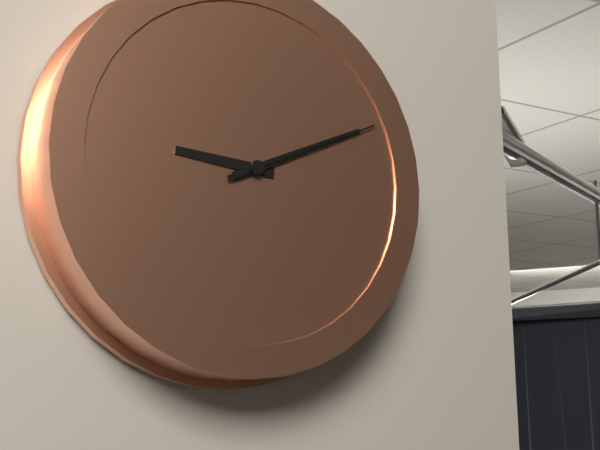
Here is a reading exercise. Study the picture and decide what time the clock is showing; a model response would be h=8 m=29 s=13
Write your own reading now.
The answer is h=9 m=11 s=11
